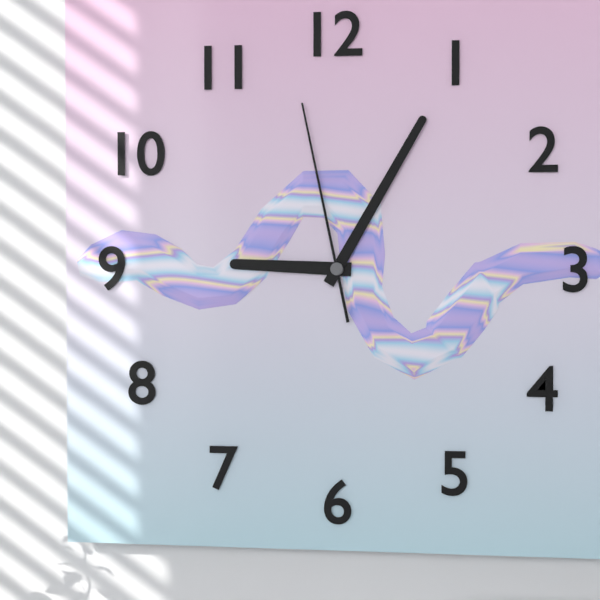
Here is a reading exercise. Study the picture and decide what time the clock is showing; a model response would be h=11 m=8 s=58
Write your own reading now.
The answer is h=9 m=5 s=58
